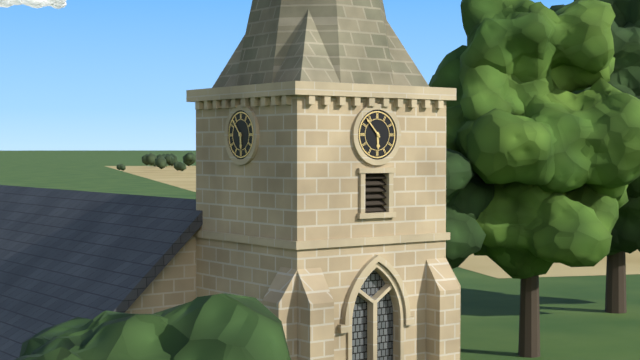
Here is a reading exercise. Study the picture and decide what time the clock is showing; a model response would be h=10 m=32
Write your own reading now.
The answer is h=5 m=53
